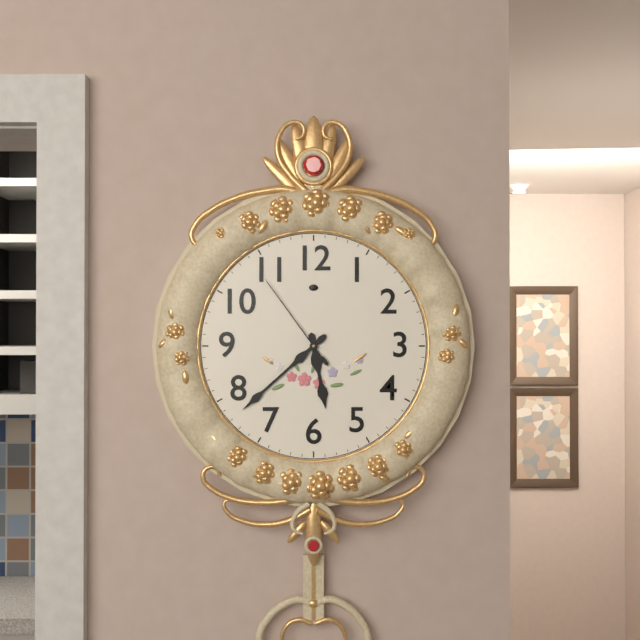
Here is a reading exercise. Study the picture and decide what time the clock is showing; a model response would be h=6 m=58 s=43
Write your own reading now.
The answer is h=5 m=38 s=54
